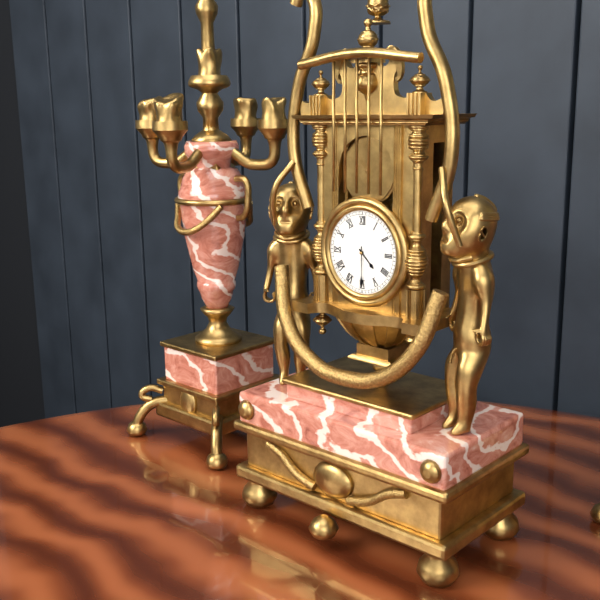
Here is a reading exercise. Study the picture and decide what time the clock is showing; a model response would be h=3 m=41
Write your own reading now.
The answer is h=4 m=30
